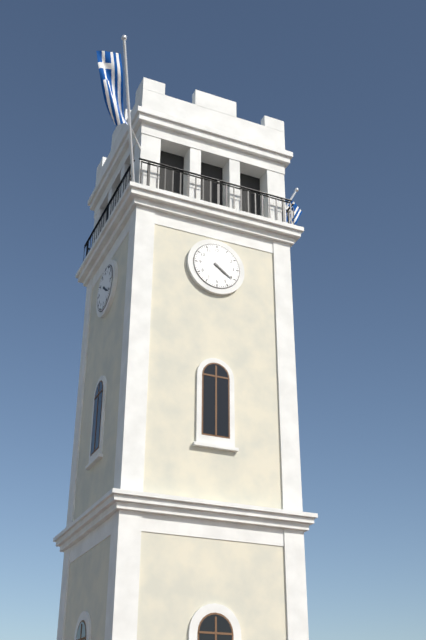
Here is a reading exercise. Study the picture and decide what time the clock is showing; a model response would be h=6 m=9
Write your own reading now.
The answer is h=4 m=21
